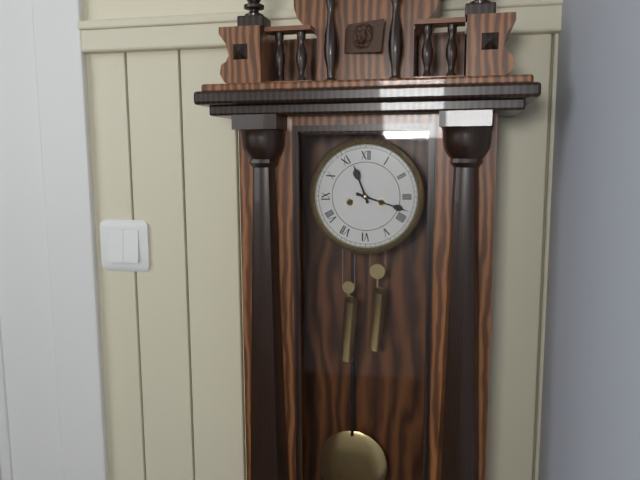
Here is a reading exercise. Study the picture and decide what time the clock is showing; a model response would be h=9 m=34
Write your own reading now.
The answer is h=11 m=18
